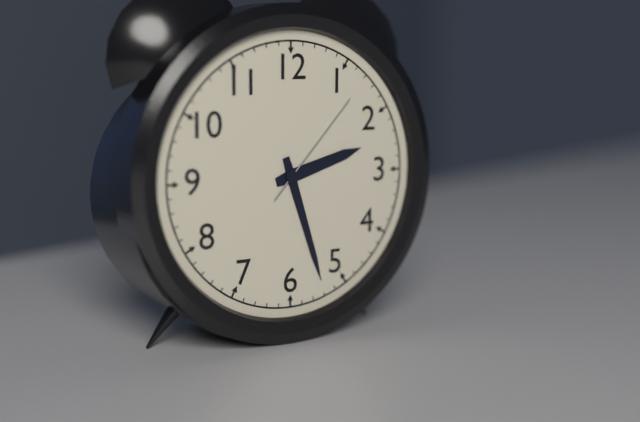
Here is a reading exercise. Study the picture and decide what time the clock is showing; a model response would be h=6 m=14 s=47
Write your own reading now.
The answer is h=2 m=27 s=7
